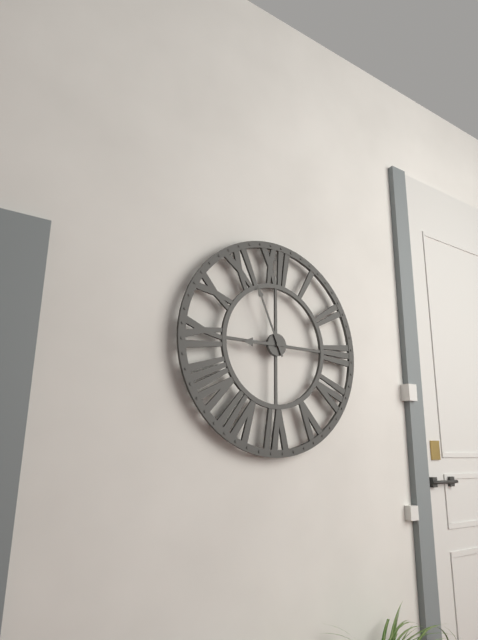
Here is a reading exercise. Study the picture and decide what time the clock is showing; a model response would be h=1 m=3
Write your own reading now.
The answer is h=8 m=56
